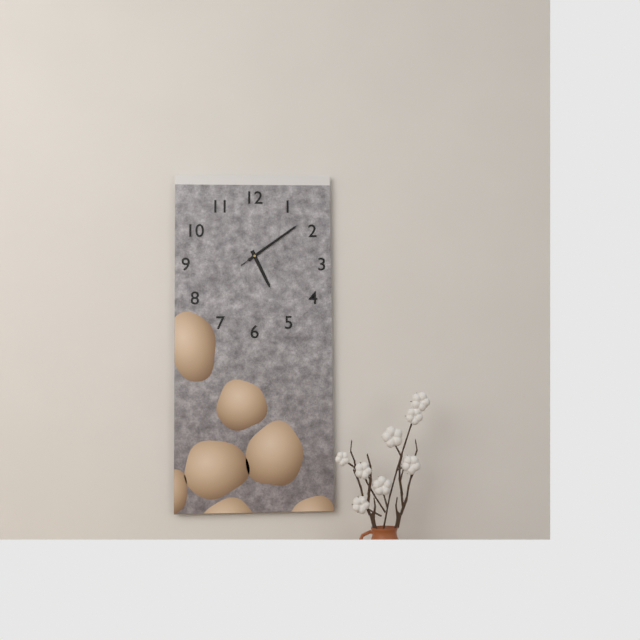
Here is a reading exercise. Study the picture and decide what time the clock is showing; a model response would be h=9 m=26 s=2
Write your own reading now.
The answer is h=5 m=9 s=9
